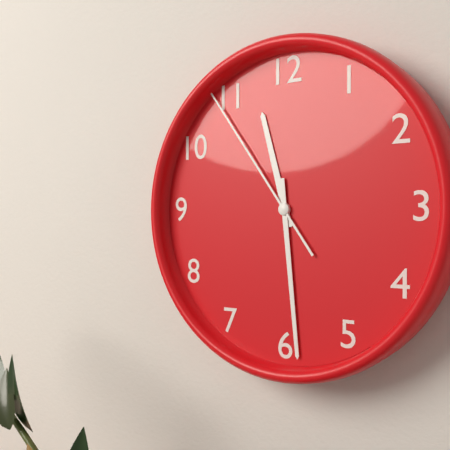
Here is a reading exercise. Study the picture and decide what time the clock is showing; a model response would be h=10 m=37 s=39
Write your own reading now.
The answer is h=11 m=29 s=54
